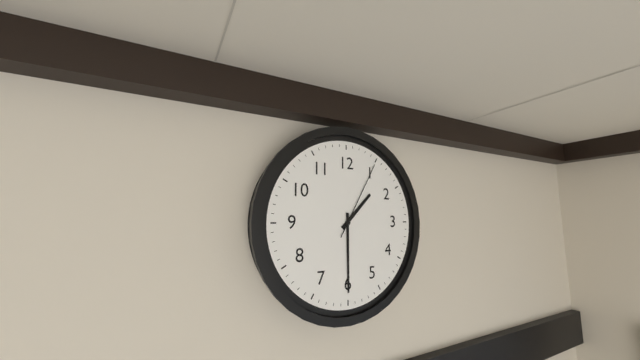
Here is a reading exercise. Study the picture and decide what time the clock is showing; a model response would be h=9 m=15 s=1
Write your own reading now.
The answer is h=1 m=30 s=5
